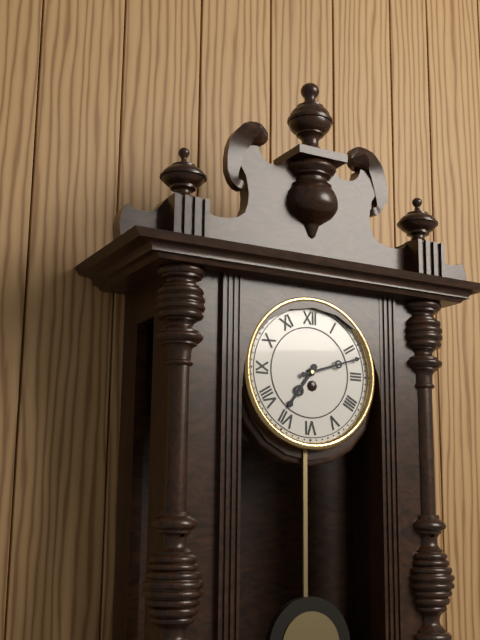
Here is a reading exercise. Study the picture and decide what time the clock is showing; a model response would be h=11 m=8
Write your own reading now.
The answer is h=7 m=12
